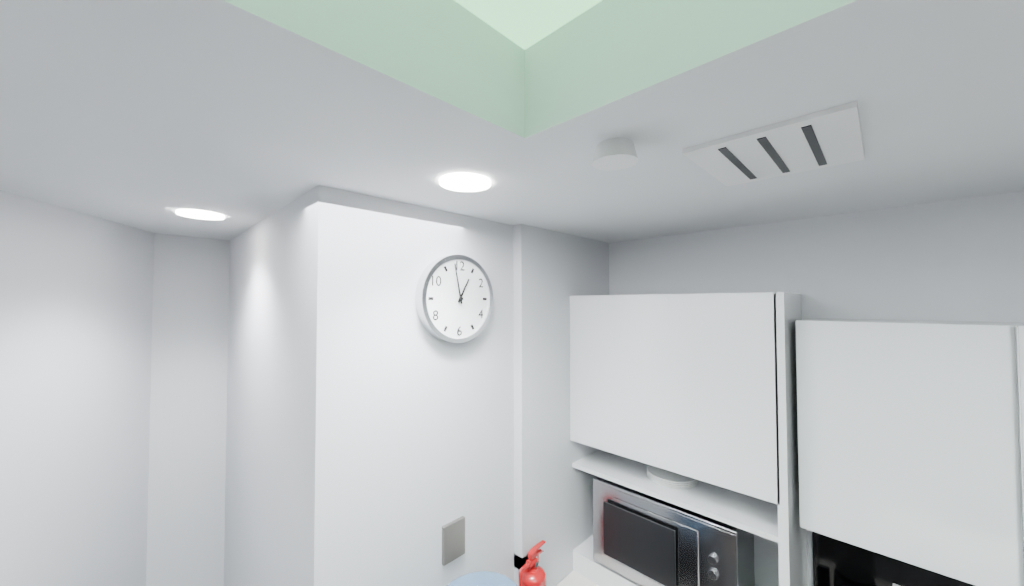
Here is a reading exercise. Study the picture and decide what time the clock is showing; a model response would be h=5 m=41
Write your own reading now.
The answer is h=12 m=58
